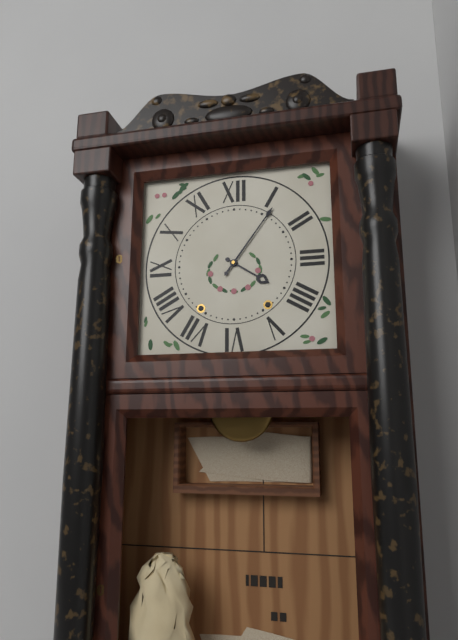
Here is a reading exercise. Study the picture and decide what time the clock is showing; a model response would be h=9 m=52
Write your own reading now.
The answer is h=4 m=6
